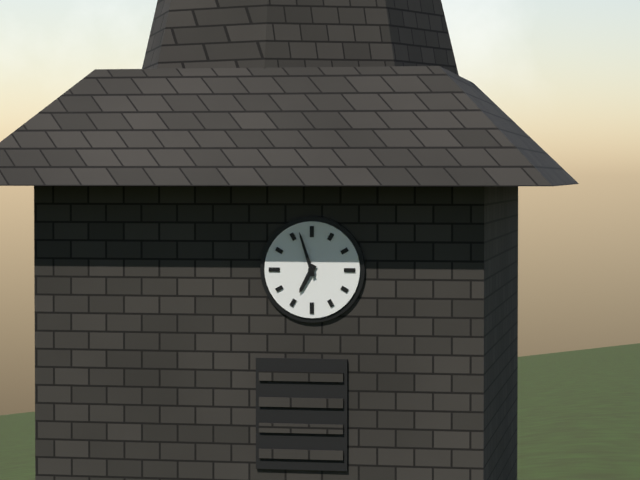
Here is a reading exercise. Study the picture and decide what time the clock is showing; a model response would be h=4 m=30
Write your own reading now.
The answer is h=6 m=57
